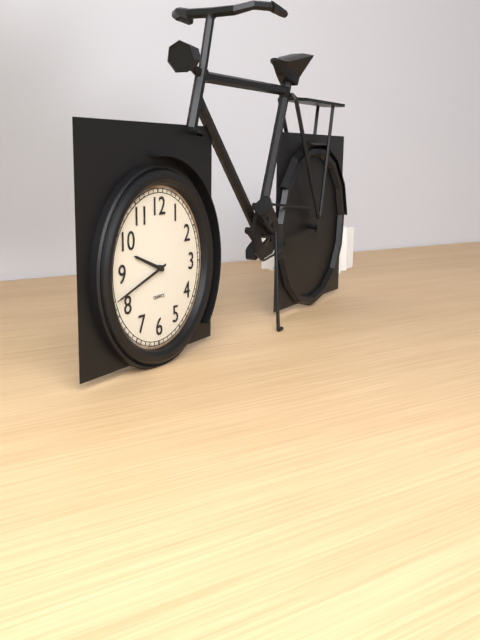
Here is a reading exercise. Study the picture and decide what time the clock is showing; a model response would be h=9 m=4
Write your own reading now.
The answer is h=9 m=42
